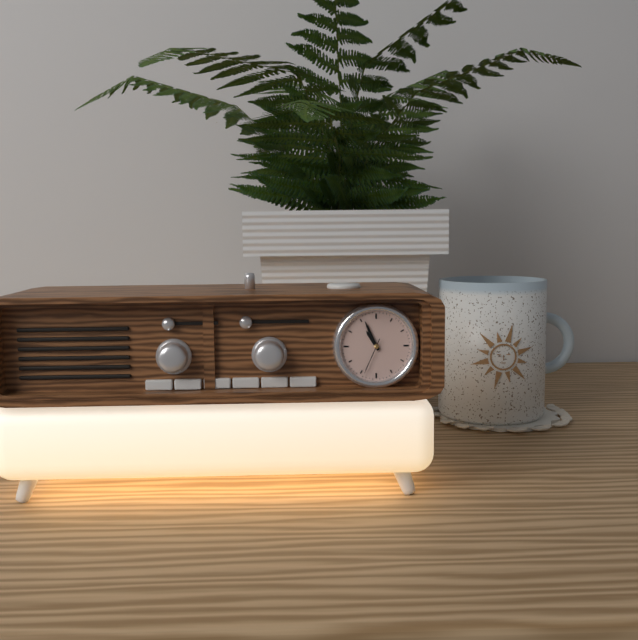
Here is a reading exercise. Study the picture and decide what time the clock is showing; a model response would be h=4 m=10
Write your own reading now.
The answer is h=10 m=56
